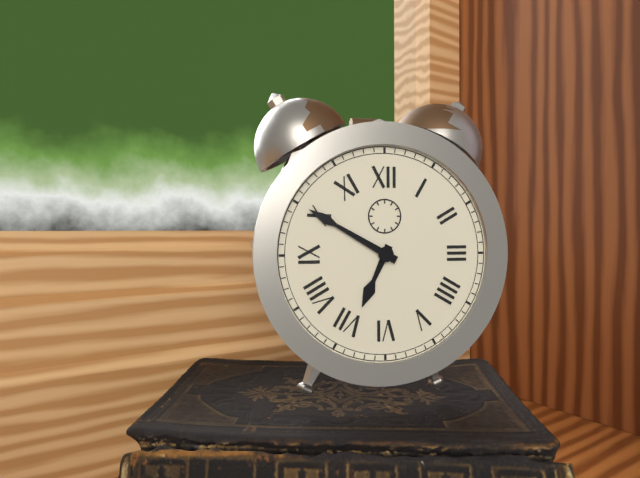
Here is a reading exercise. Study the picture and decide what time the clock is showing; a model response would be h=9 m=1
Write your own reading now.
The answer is h=6 m=50
